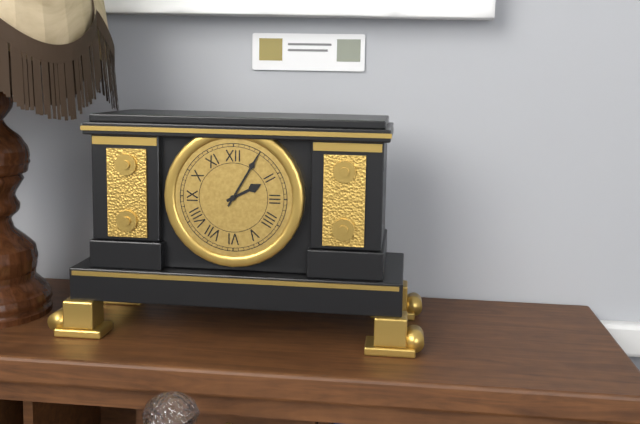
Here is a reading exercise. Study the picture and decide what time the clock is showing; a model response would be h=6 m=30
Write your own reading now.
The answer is h=2 m=5
